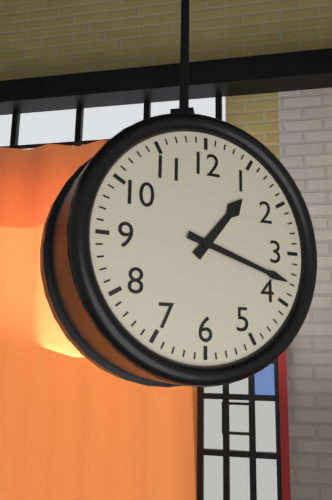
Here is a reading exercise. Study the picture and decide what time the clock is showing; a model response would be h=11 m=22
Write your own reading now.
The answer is h=1 m=18
